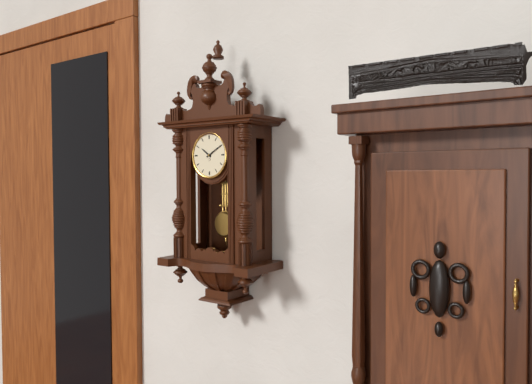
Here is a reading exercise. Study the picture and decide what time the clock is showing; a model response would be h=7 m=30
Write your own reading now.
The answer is h=10 m=10
